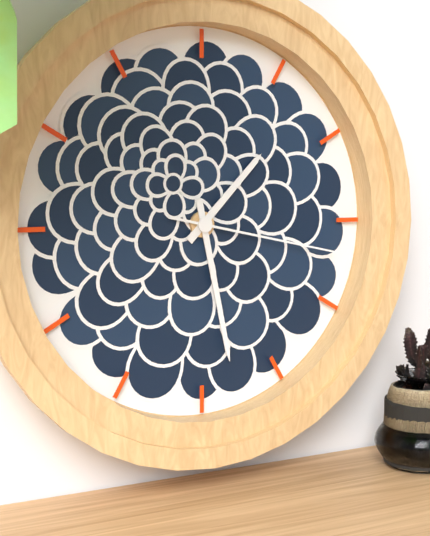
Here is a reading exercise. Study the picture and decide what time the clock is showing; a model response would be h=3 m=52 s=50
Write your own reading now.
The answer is h=1 m=28 s=17
